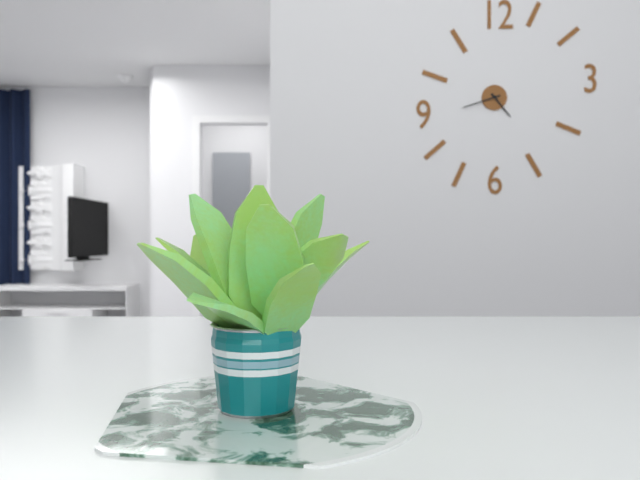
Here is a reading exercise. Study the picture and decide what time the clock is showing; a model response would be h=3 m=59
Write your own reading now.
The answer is h=4 m=42
